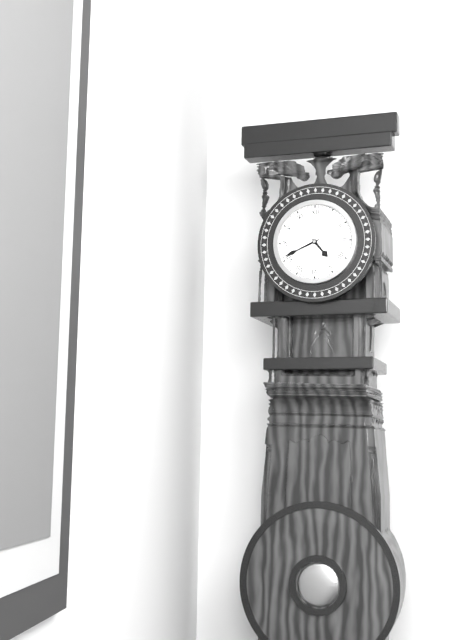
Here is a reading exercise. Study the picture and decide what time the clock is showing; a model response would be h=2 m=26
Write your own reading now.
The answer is h=4 m=41
